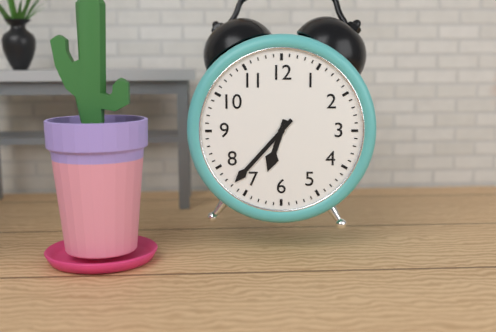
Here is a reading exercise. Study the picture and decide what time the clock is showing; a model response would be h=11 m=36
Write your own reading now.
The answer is h=6 m=37
